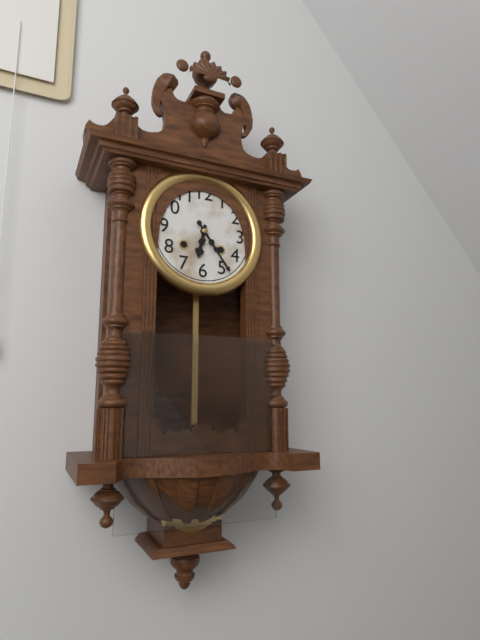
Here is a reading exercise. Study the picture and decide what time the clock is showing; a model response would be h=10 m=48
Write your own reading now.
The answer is h=6 m=24
